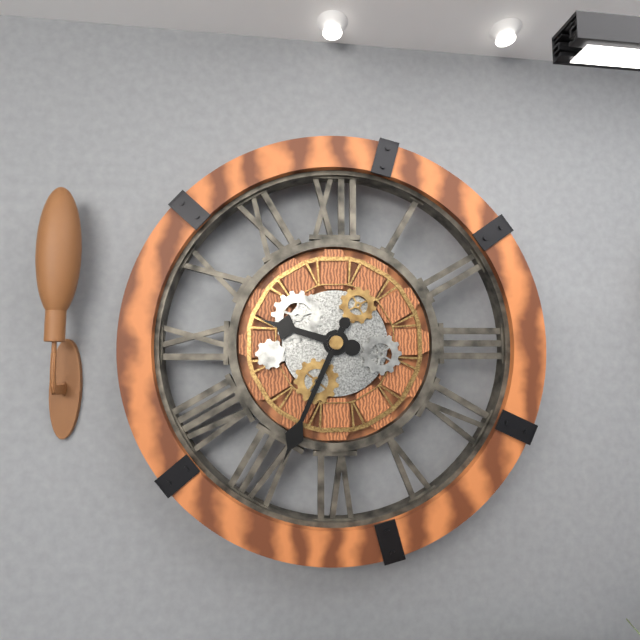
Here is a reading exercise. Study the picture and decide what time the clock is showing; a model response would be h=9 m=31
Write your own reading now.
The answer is h=9 m=34
